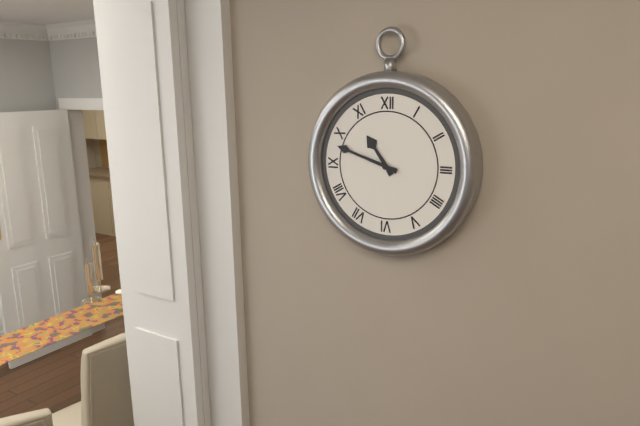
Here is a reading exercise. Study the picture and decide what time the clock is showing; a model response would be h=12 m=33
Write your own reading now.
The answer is h=10 m=48
